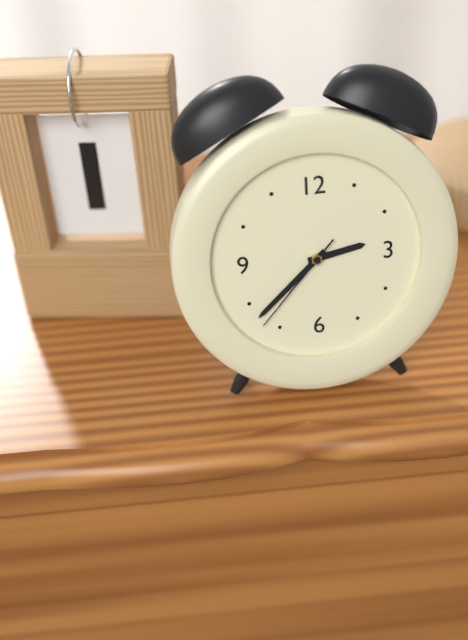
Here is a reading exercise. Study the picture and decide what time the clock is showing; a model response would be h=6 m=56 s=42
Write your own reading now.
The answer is h=2 m=38 s=37
